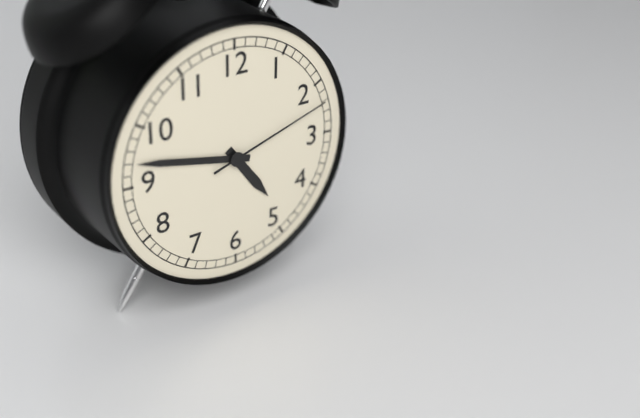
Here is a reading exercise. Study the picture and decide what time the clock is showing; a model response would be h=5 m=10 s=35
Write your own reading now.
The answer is h=4 m=47 s=12
